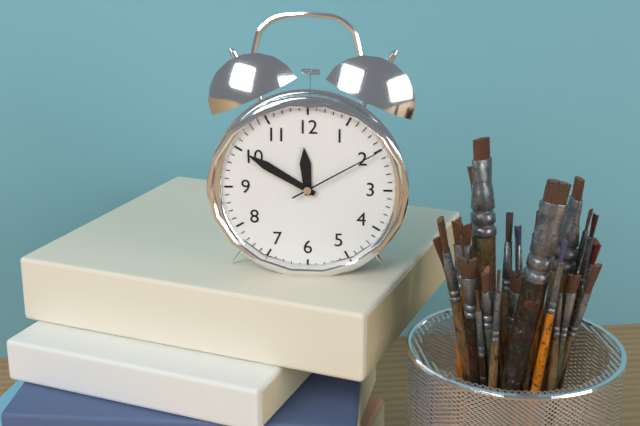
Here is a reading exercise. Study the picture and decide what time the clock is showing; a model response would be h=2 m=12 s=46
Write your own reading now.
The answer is h=11 m=50 s=10
